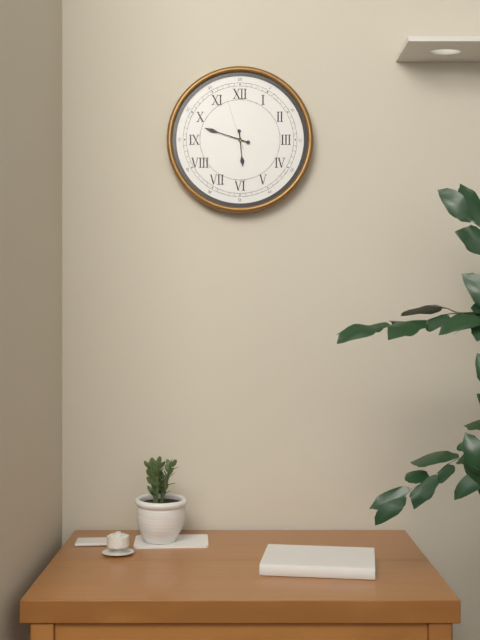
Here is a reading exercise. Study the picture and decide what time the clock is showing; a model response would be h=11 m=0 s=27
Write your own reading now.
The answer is h=5 m=48 s=57
